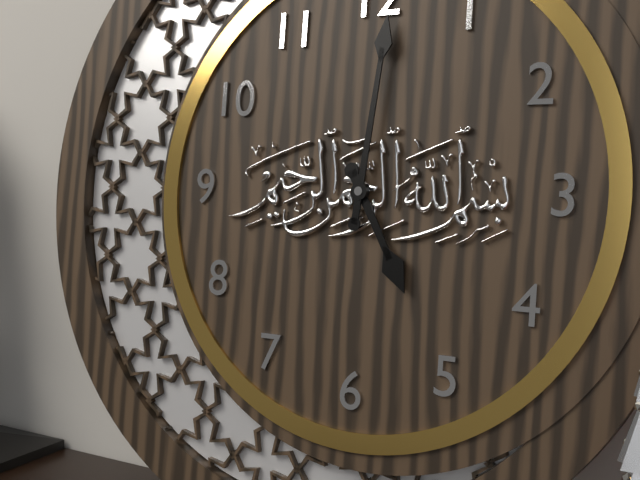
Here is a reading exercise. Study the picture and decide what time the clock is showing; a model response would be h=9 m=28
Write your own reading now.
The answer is h=5 m=1
